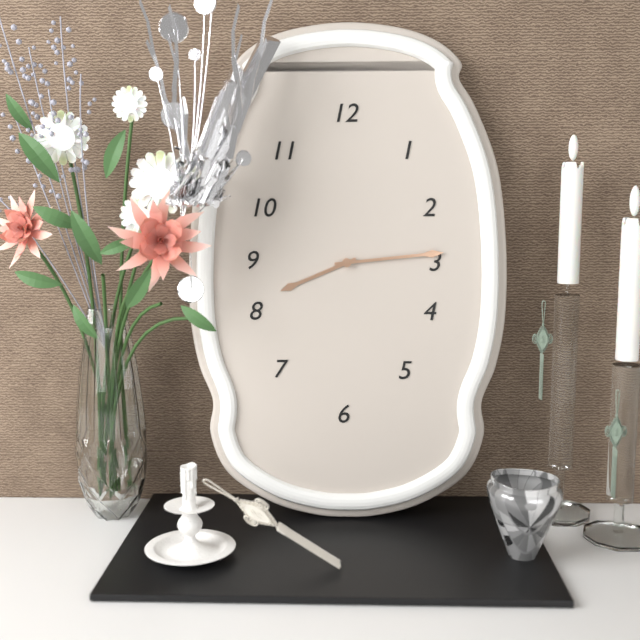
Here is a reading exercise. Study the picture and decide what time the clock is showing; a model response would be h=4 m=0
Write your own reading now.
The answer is h=8 m=14
